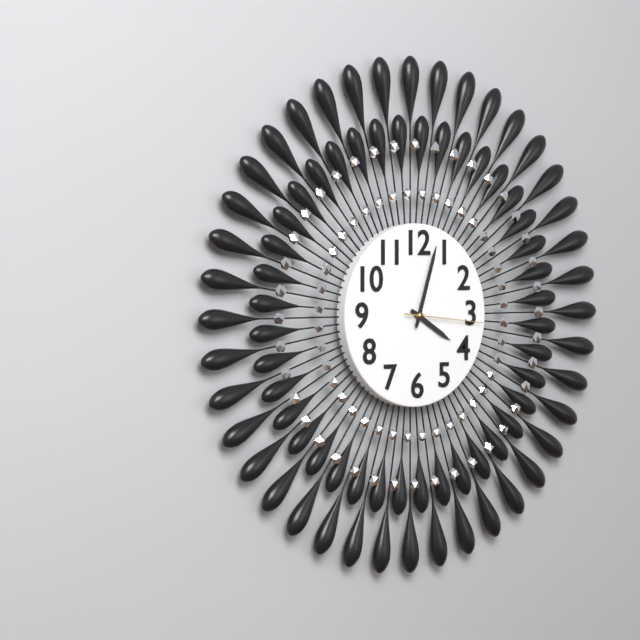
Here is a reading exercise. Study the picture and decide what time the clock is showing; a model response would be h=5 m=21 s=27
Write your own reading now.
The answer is h=4 m=3 s=16
